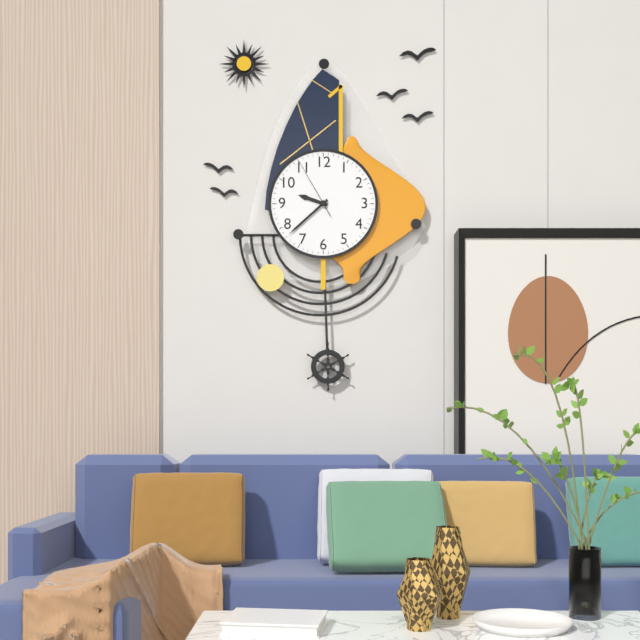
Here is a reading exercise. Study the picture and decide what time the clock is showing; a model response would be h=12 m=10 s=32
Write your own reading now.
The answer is h=9 m=38 s=55
